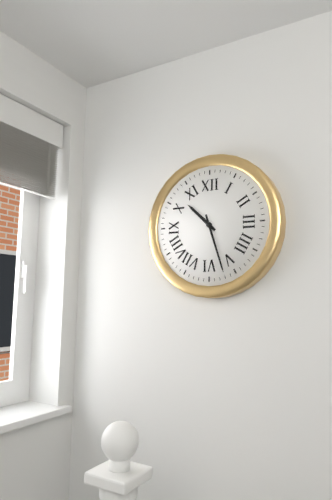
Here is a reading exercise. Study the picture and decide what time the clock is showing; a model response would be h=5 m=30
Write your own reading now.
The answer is h=10 m=27
